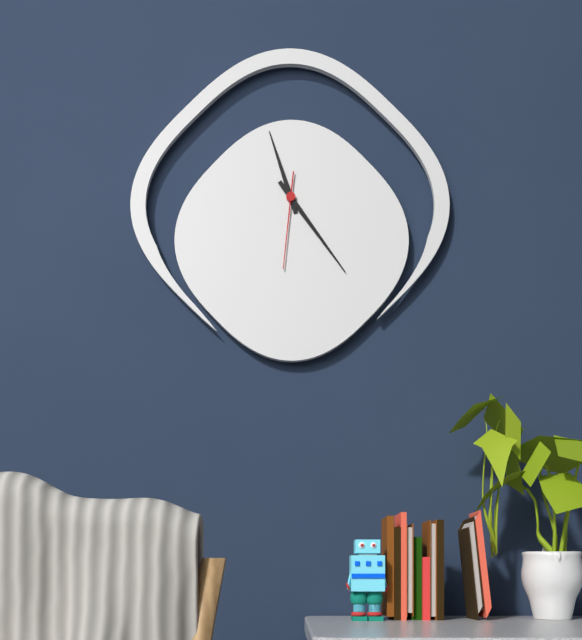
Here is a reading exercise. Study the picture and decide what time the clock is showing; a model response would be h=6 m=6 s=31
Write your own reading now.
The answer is h=11 m=24 s=31
